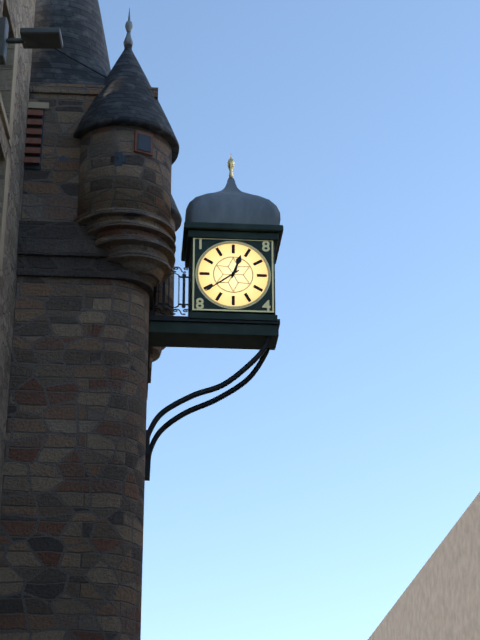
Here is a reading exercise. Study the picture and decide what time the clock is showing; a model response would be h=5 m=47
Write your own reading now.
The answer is h=12 m=39
